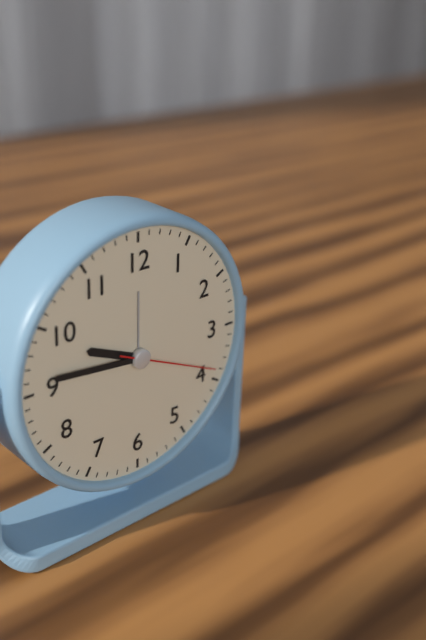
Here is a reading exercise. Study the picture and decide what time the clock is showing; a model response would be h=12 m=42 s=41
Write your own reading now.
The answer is h=9 m=46 s=19
